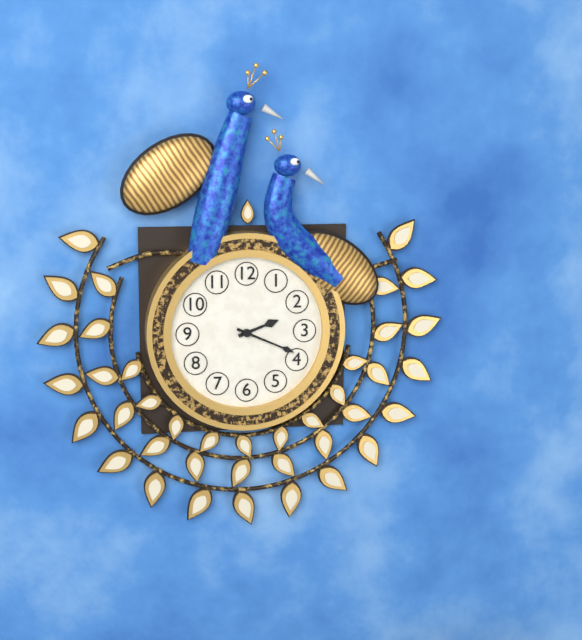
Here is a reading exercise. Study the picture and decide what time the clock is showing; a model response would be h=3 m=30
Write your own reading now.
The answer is h=2 m=19
